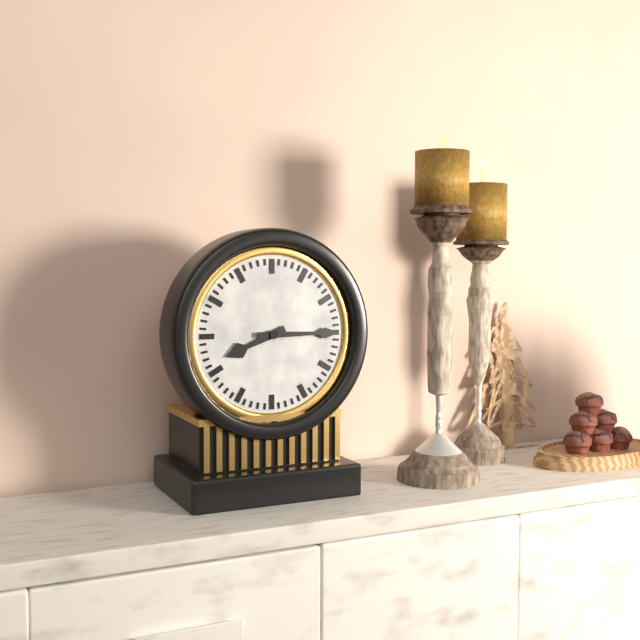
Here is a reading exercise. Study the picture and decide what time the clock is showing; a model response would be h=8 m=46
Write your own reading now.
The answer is h=8 m=15
